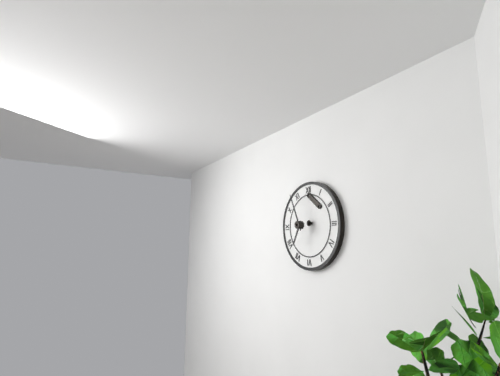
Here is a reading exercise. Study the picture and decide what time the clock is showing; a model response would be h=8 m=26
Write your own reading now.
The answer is h=6 m=56
